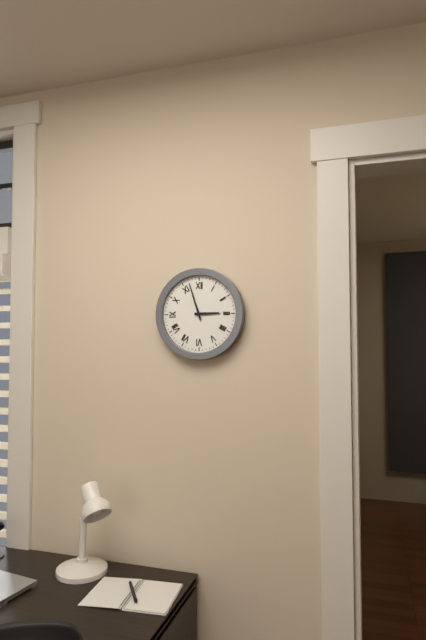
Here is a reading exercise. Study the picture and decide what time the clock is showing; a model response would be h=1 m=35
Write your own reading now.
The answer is h=2 m=57
